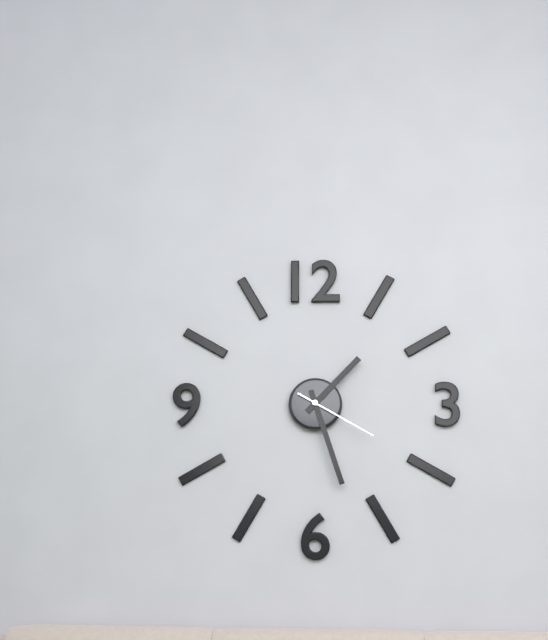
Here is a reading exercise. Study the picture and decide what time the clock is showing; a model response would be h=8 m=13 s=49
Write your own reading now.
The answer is h=1 m=27 s=20
